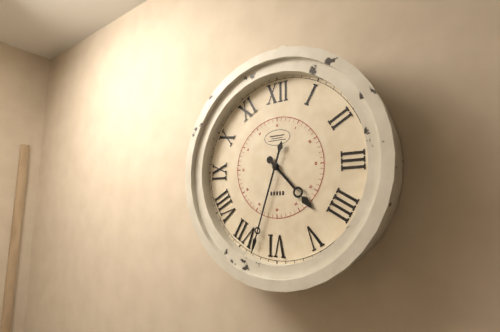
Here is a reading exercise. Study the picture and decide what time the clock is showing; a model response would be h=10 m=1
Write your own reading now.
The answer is h=4 m=33
